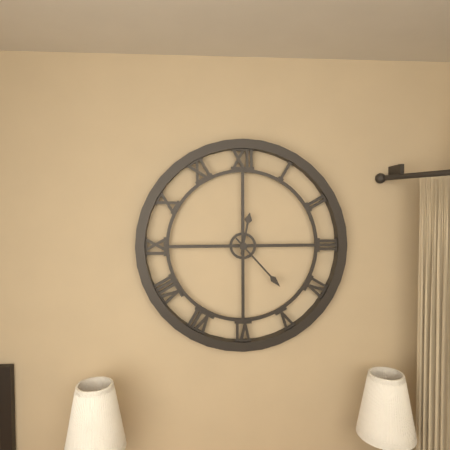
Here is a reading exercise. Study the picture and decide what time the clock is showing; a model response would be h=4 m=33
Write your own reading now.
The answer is h=12 m=23
